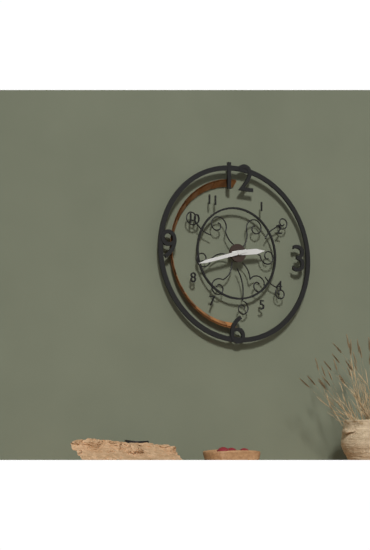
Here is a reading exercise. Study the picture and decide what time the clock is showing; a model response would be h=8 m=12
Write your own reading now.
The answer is h=2 m=42
